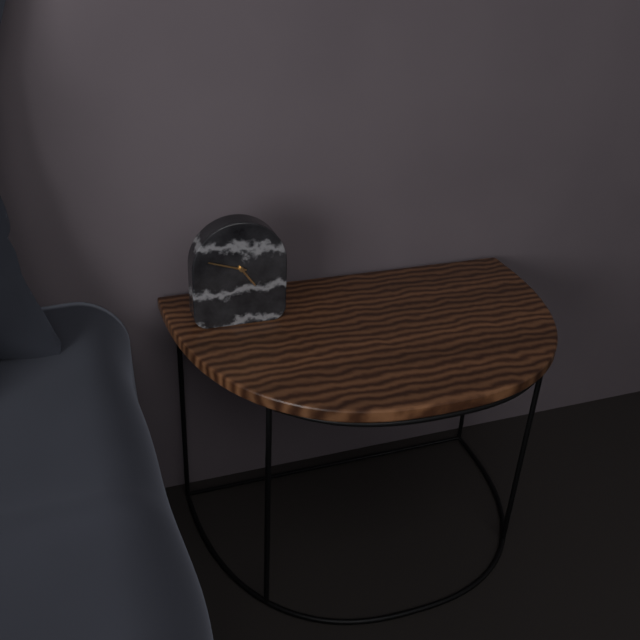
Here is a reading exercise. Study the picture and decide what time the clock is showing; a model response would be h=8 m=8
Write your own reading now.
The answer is h=4 m=48
